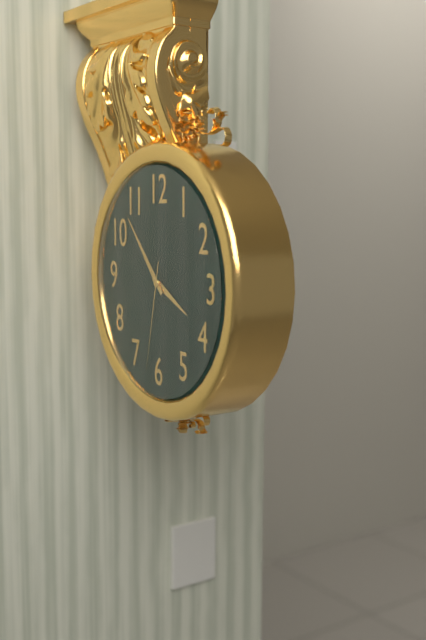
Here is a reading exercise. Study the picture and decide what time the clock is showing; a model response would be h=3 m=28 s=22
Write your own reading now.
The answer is h=3 m=53 s=32
